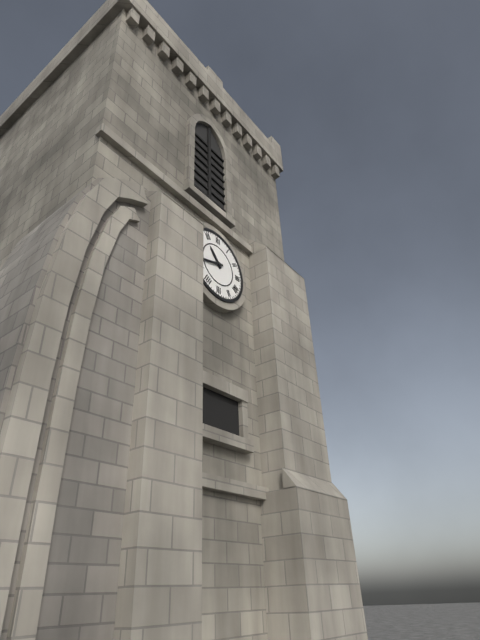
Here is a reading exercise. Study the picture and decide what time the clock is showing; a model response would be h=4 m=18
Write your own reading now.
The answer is h=10 m=42
